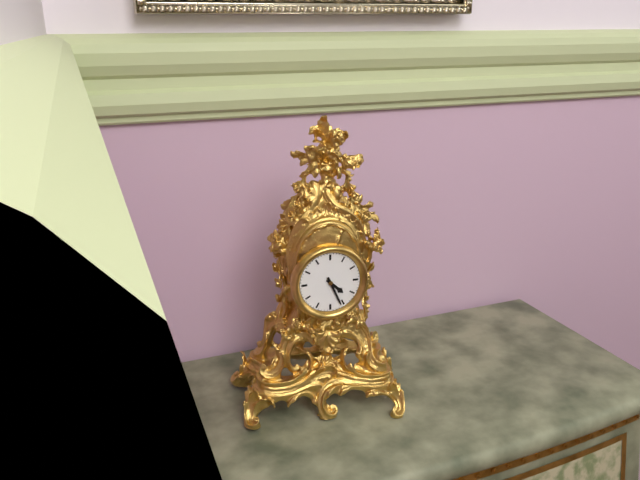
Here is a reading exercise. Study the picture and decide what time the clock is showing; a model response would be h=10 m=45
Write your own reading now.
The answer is h=4 m=26
